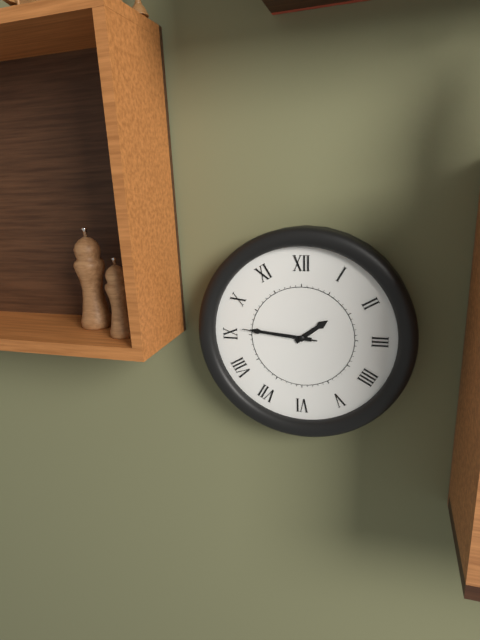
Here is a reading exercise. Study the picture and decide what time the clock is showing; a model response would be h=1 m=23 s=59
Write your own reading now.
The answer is h=1 m=46 s=46
